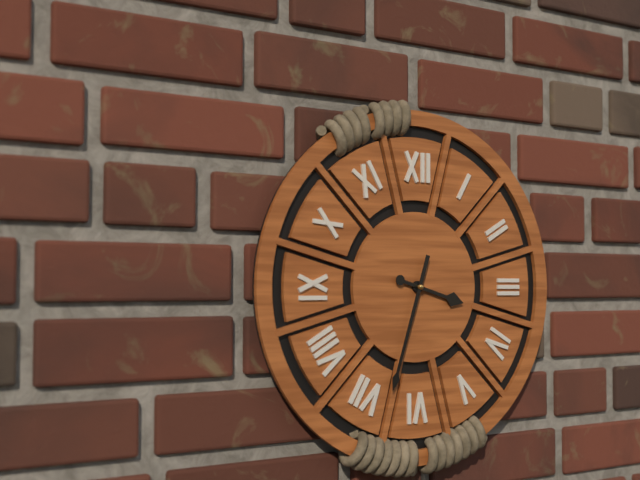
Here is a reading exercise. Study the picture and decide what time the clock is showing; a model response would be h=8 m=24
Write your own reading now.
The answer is h=3 m=33
